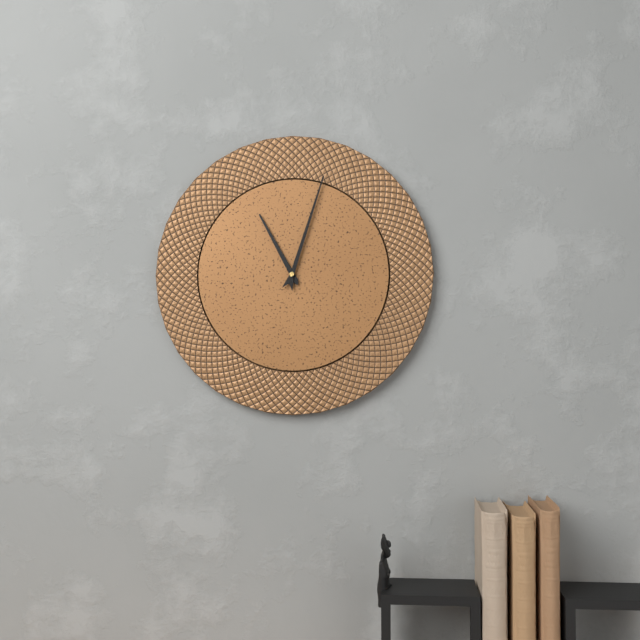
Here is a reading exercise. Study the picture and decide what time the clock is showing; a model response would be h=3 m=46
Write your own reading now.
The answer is h=11 m=3
